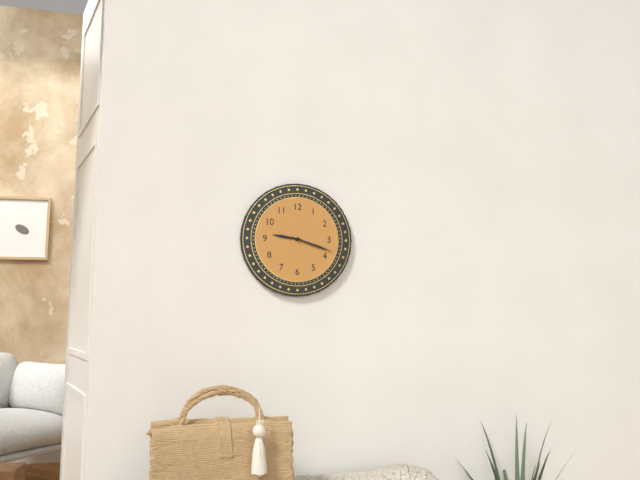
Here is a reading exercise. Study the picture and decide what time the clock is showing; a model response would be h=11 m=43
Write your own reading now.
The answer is h=9 m=18
